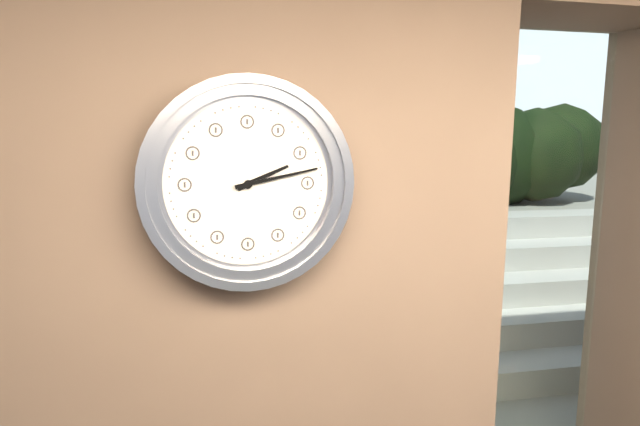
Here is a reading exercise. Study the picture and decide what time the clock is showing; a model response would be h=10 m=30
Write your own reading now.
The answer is h=2 m=13
